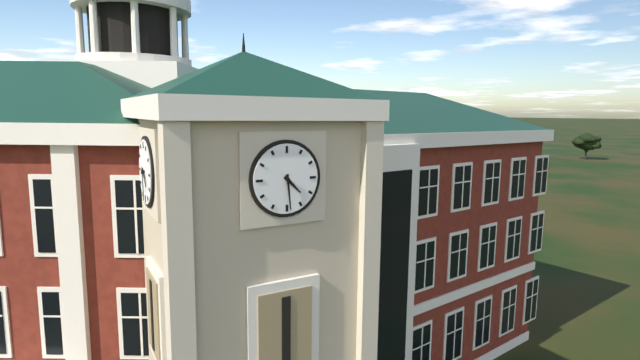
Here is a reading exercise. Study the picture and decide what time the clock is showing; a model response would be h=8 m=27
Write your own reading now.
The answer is h=4 m=29
